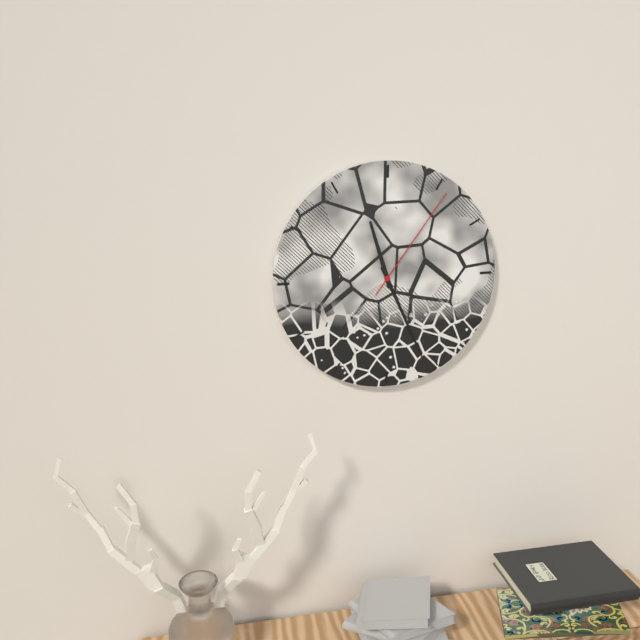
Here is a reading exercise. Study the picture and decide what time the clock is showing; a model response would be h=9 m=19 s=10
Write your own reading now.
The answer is h=11 m=26 s=6
